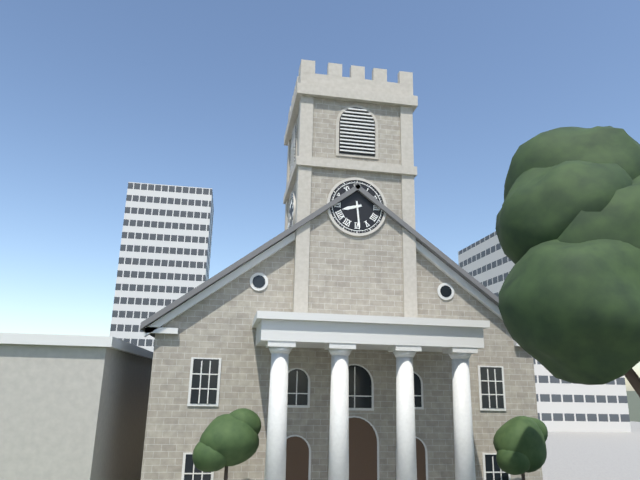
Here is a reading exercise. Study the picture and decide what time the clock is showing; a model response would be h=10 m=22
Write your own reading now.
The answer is h=8 m=29
